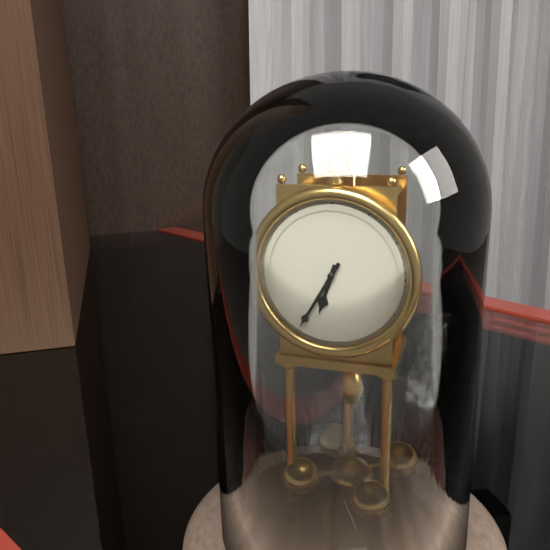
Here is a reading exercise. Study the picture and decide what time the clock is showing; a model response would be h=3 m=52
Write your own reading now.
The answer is h=6 m=35
